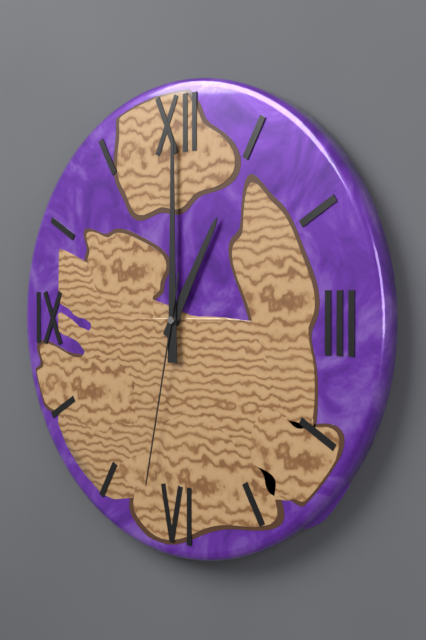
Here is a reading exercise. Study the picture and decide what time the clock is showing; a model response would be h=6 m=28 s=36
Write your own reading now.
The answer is h=1 m=0 s=32
